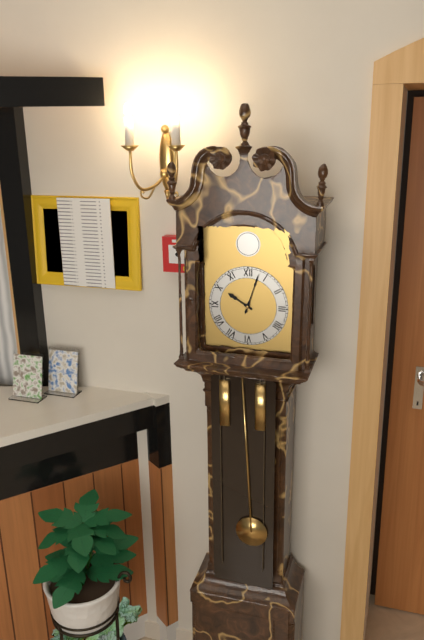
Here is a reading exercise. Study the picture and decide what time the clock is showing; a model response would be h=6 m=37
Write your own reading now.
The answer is h=10 m=3
